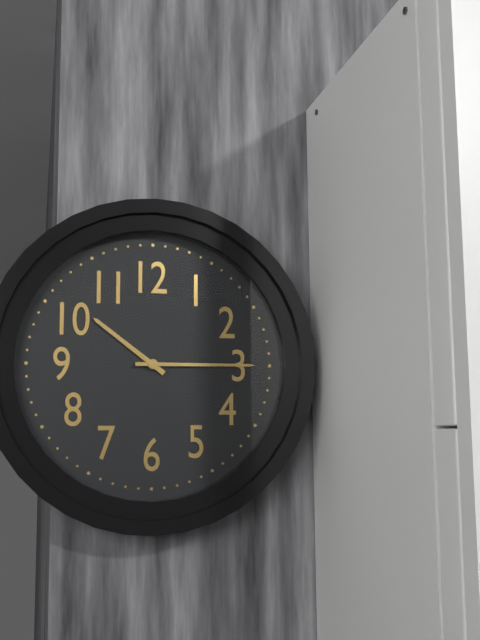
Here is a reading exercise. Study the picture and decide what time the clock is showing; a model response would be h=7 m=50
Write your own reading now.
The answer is h=10 m=15
